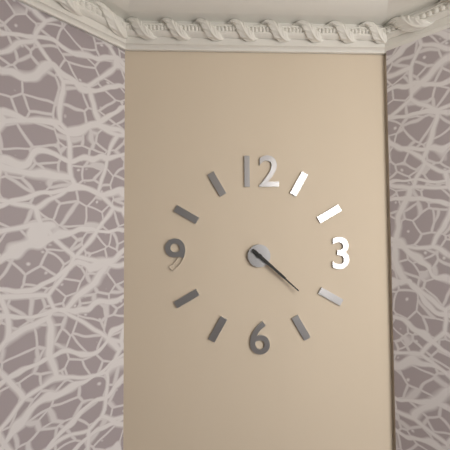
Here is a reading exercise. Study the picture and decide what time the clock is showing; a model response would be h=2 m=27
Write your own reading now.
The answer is h=4 m=22
